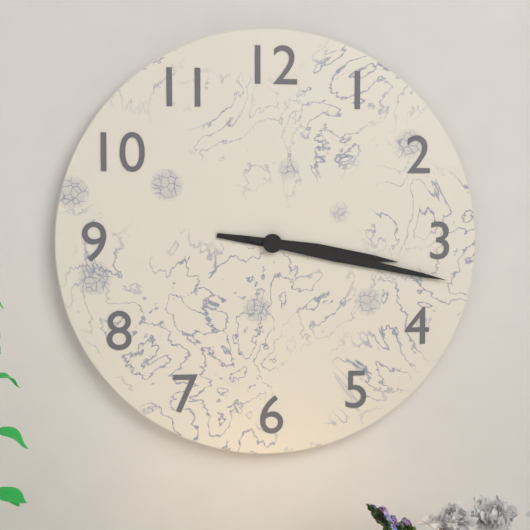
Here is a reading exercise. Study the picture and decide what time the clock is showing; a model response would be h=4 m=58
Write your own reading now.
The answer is h=3 m=17
